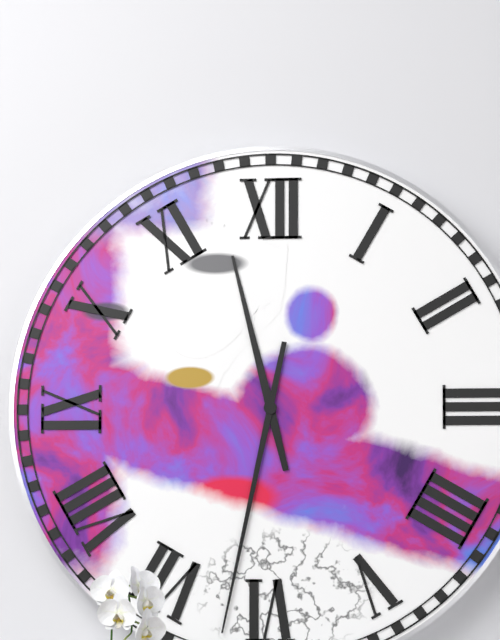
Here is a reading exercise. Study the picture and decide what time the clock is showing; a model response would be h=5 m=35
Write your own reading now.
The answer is h=11 m=32
